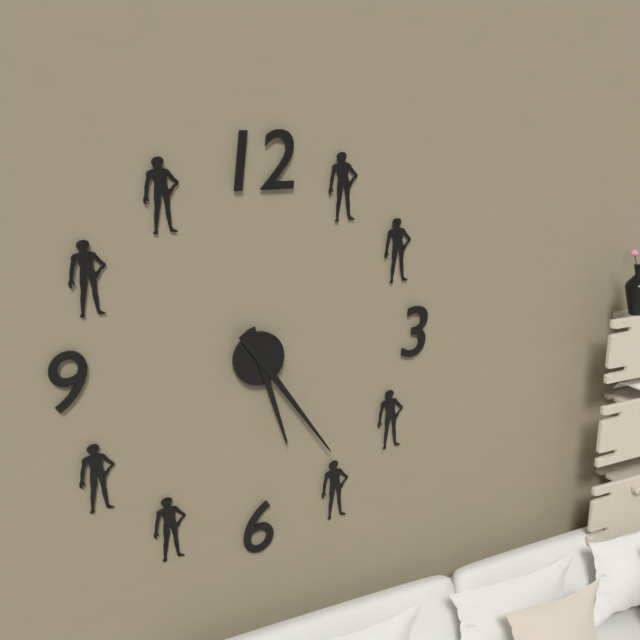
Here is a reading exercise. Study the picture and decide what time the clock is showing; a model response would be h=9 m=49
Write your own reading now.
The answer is h=5 m=24
